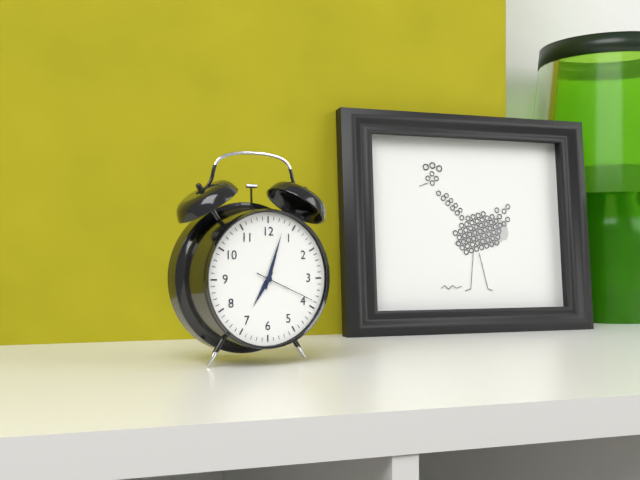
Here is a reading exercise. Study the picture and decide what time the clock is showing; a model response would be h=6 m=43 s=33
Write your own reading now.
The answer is h=7 m=3 s=19
